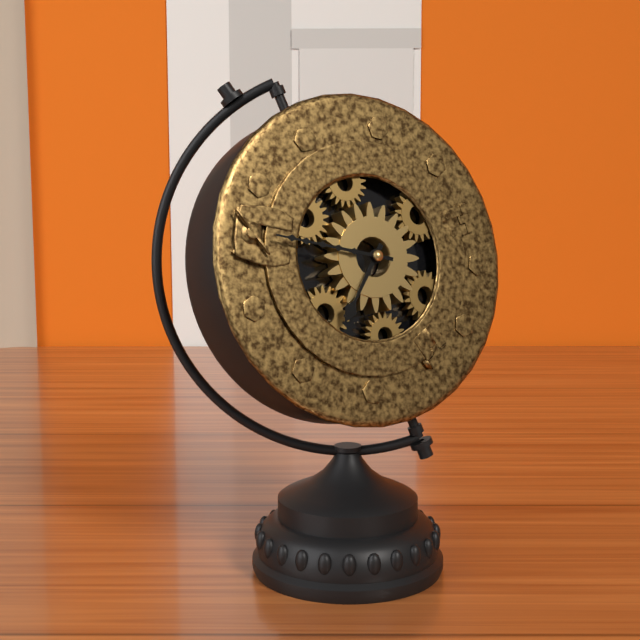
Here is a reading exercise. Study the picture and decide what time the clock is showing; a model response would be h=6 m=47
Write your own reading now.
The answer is h=6 m=45
